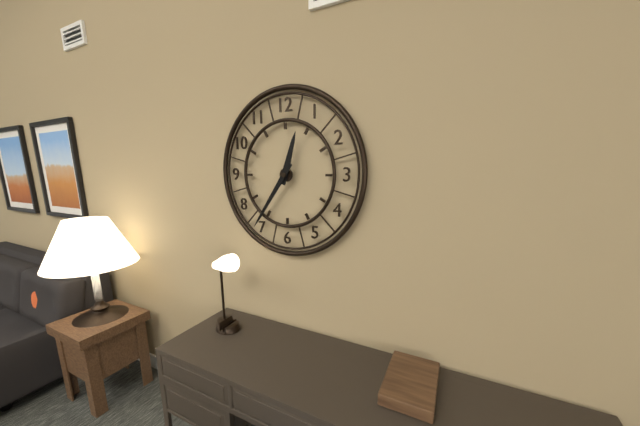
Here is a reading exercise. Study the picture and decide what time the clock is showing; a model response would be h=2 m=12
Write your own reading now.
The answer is h=12 m=36
